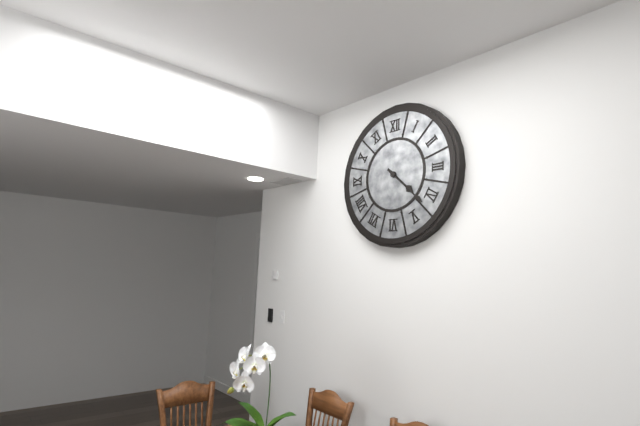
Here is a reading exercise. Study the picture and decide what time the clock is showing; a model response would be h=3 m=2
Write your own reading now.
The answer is h=4 m=22
